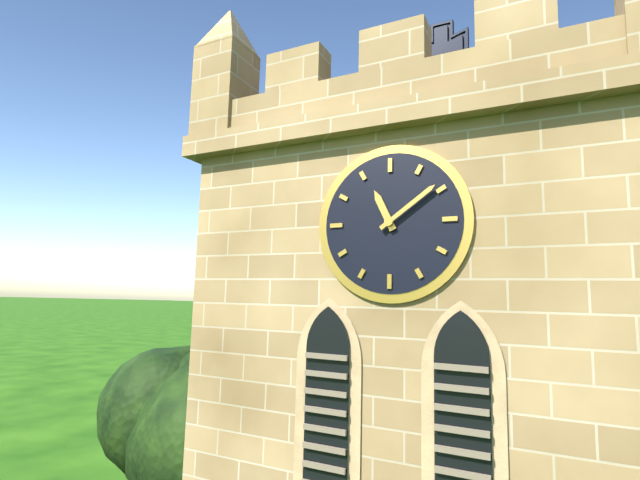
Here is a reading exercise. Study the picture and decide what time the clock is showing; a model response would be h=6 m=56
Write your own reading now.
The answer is h=11 m=9
